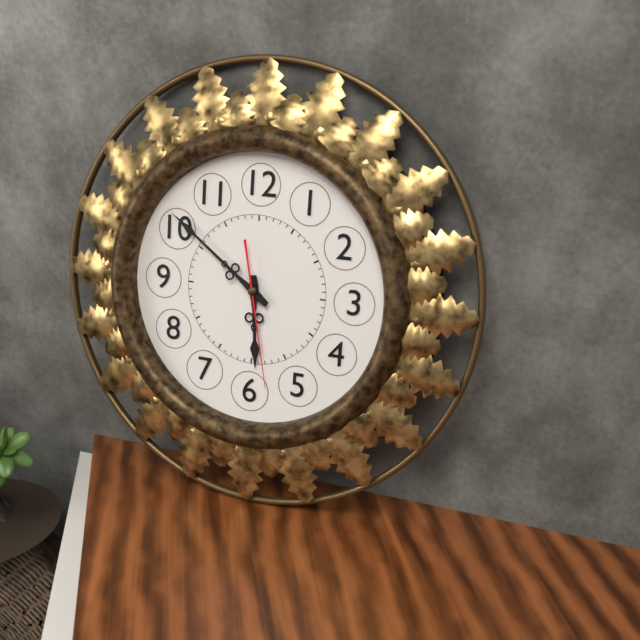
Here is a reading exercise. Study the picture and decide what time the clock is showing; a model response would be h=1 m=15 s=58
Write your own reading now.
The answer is h=5 m=51 s=28
